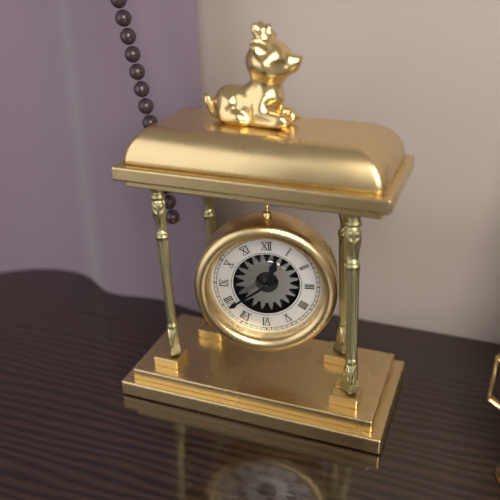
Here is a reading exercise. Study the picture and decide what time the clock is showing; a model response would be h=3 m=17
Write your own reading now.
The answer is h=12 m=39
